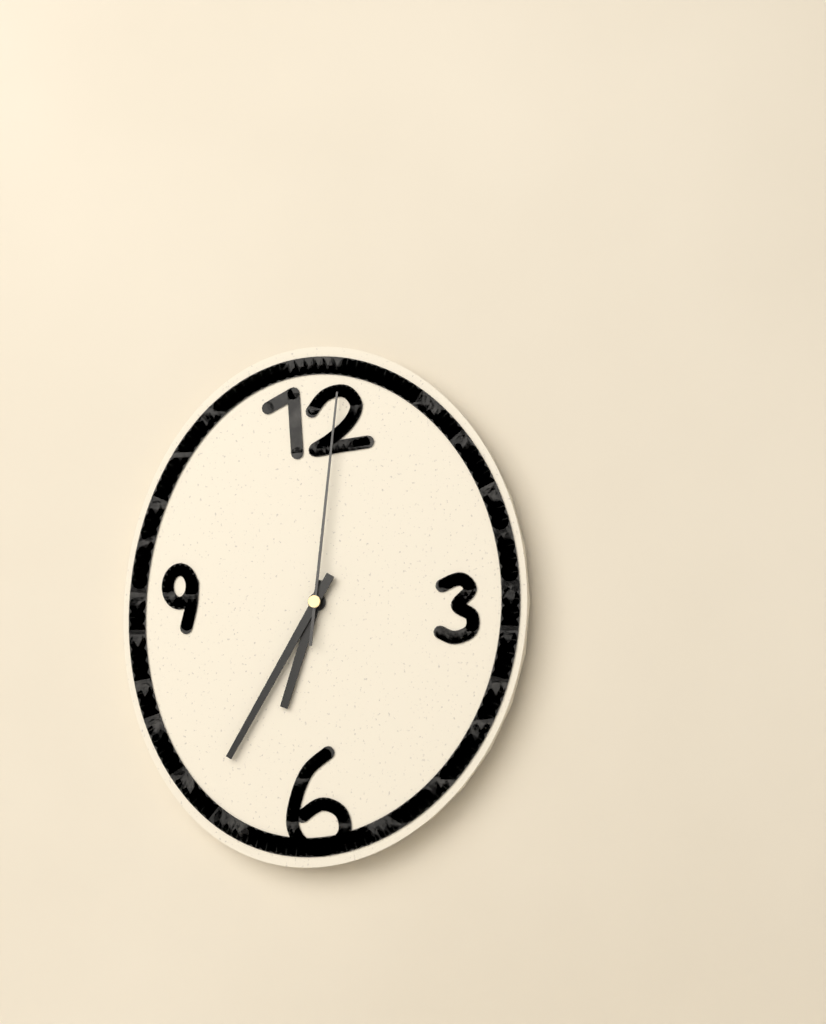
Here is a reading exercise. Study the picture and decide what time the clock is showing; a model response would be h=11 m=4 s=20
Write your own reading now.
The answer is h=6 m=35 s=1
